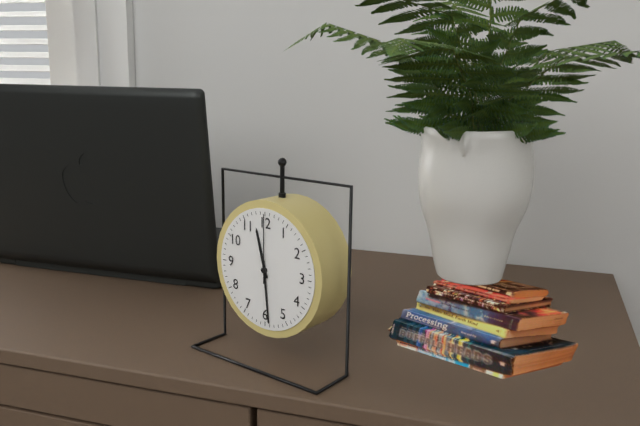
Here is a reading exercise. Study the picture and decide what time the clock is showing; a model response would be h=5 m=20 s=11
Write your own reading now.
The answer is h=11 m=29 s=0
